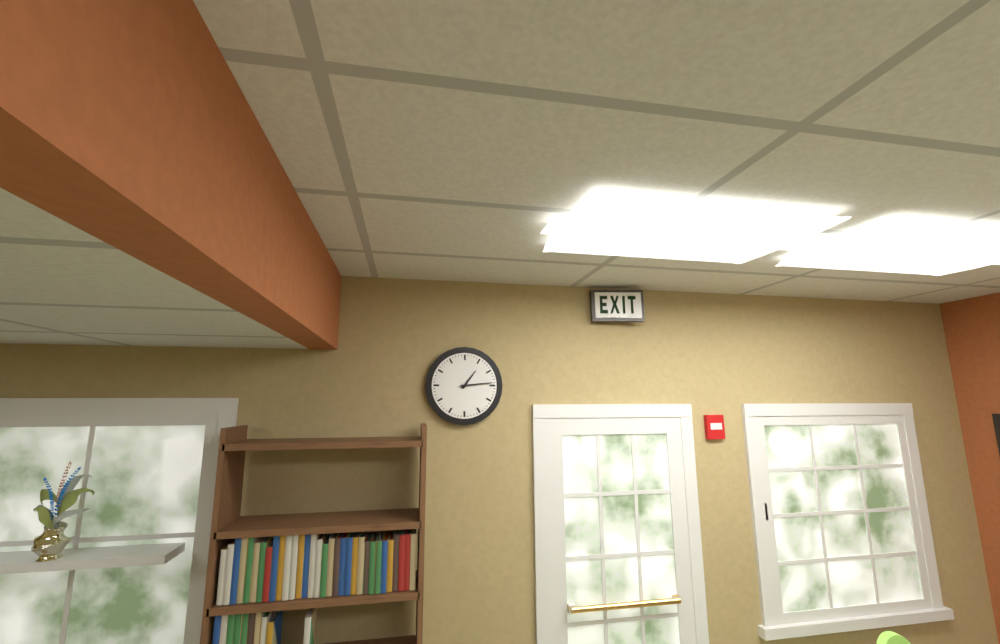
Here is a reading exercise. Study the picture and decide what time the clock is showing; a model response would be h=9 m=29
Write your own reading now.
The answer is h=1 m=14
